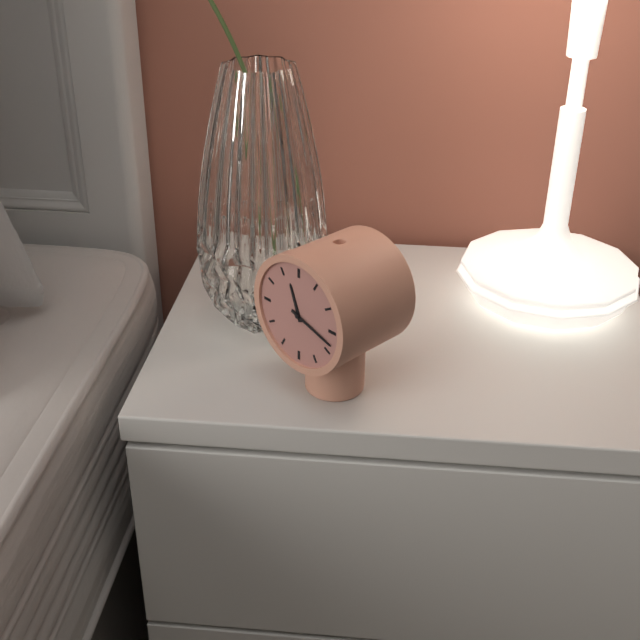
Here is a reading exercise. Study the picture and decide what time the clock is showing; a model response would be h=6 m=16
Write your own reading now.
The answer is h=11 m=18
